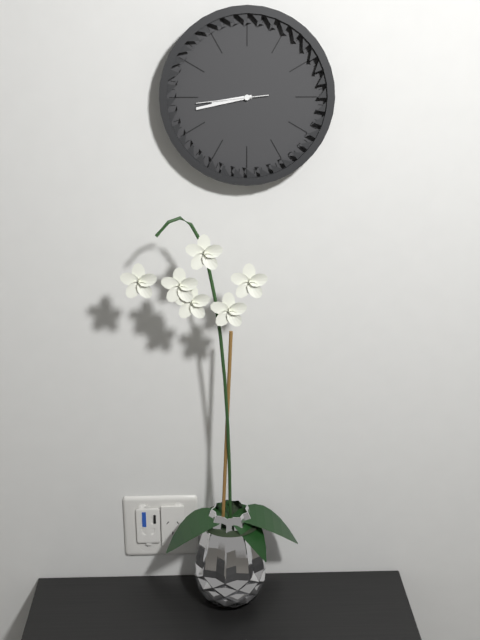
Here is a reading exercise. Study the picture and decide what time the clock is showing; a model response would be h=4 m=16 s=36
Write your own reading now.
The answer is h=8 m=43 s=44
